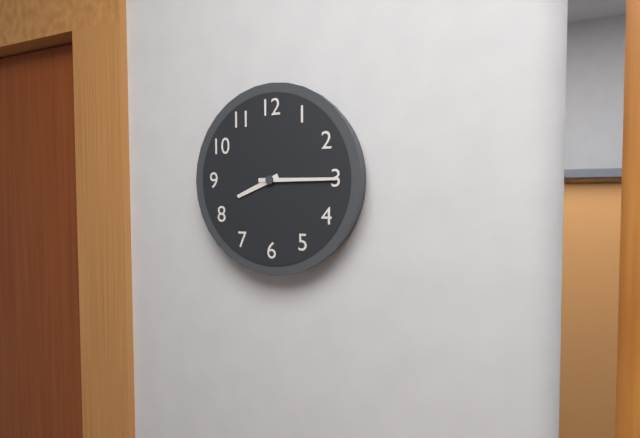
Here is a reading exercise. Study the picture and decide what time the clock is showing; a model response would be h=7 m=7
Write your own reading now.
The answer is h=8 m=15
